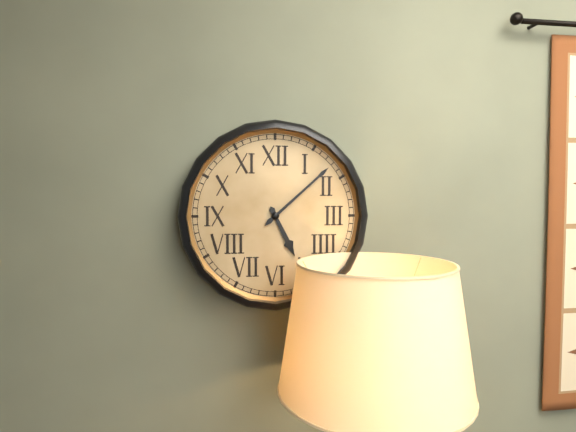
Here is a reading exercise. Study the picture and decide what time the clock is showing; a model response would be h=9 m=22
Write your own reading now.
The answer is h=5 m=8
